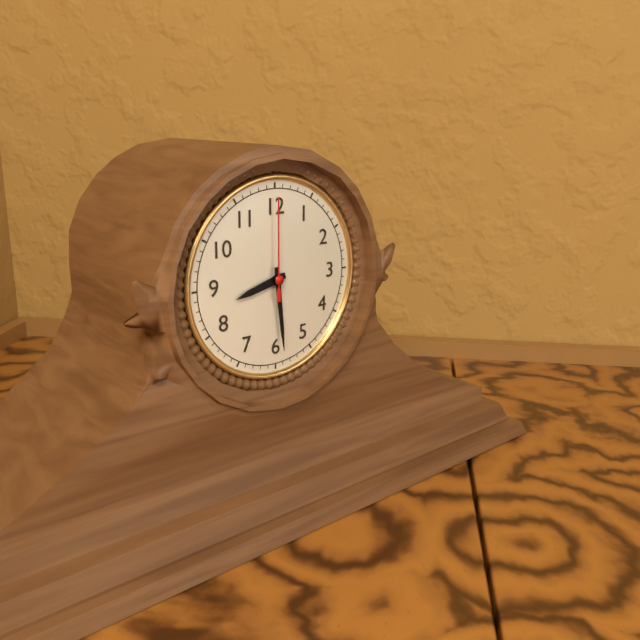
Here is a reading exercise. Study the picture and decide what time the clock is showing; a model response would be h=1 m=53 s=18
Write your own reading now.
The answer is h=8 m=29 s=0
